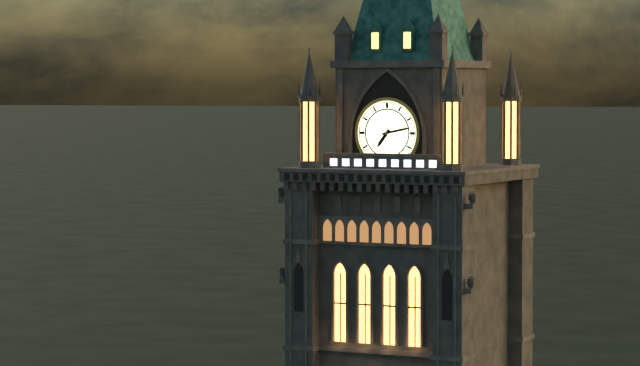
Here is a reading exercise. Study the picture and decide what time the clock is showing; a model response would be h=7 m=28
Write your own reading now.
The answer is h=7 m=13
